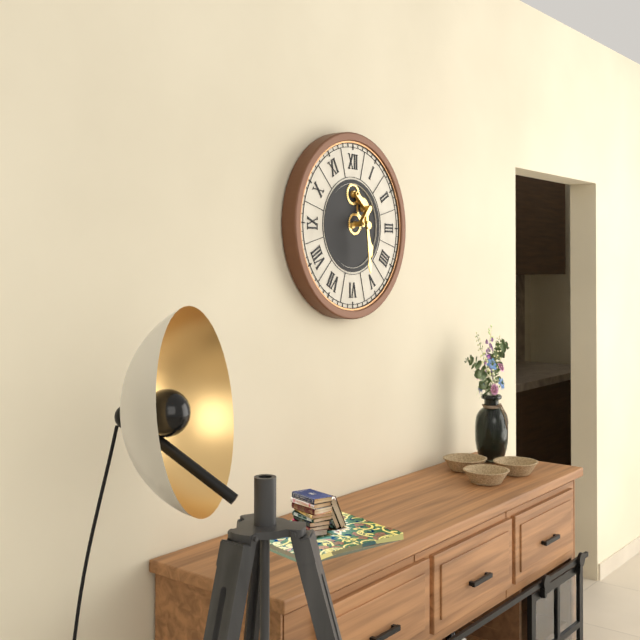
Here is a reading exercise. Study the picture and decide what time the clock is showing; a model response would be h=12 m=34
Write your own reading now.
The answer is h=5 m=29
